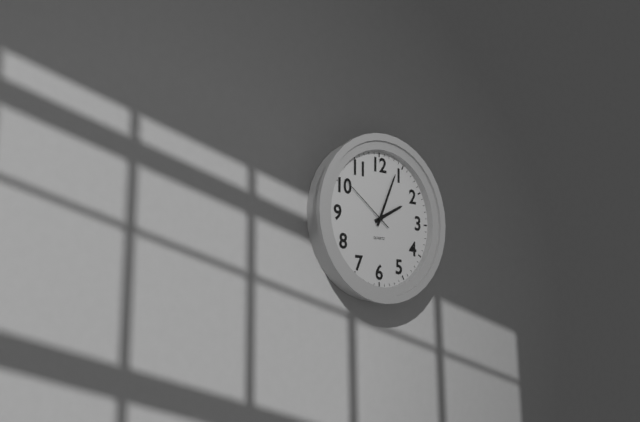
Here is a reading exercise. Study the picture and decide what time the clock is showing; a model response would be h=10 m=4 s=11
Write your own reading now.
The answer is h=2 m=4 s=51
